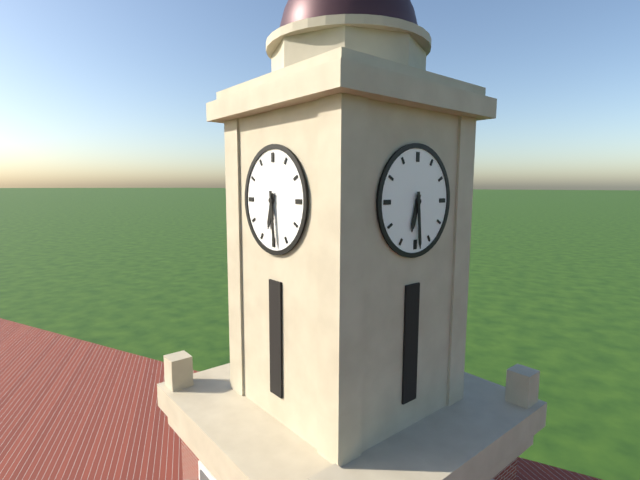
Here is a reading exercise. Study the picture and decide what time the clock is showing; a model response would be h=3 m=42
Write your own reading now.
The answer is h=6 m=29
